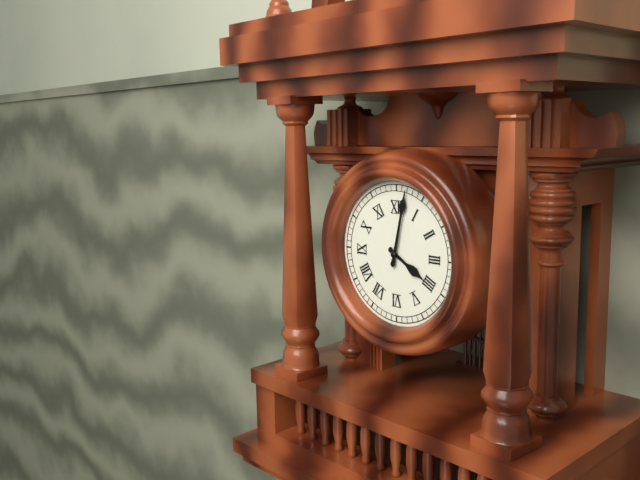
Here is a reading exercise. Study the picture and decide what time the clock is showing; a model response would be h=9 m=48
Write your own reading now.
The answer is h=4 m=2
